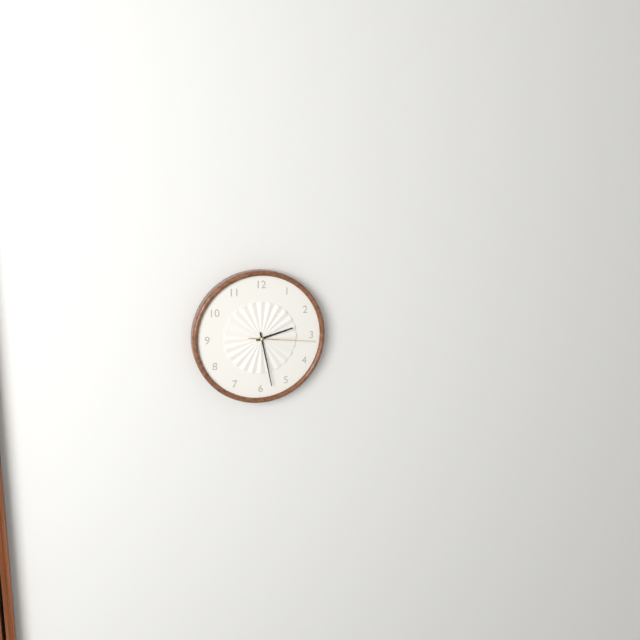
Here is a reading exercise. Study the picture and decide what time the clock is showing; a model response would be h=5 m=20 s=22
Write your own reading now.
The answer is h=2 m=28 s=16
